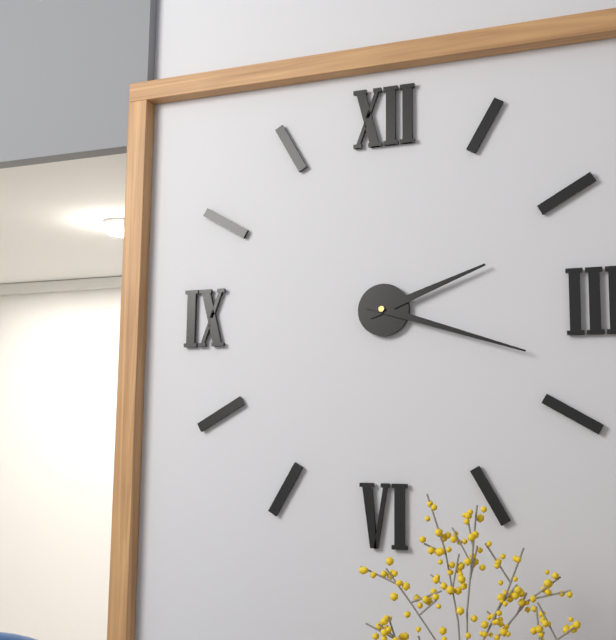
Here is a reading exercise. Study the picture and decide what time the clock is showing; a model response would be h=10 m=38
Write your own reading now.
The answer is h=2 m=18
